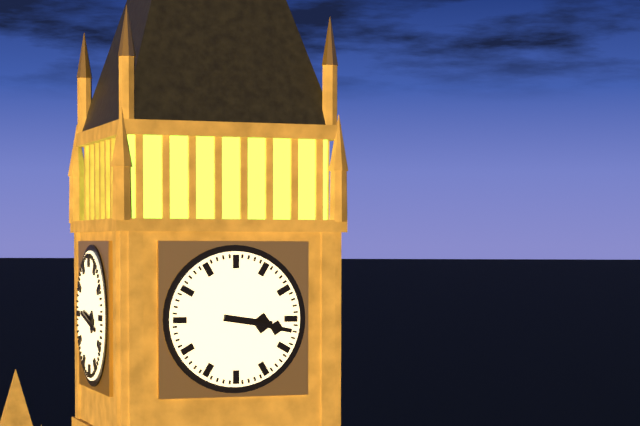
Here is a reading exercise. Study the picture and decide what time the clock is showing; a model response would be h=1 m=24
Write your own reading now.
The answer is h=3 m=17
